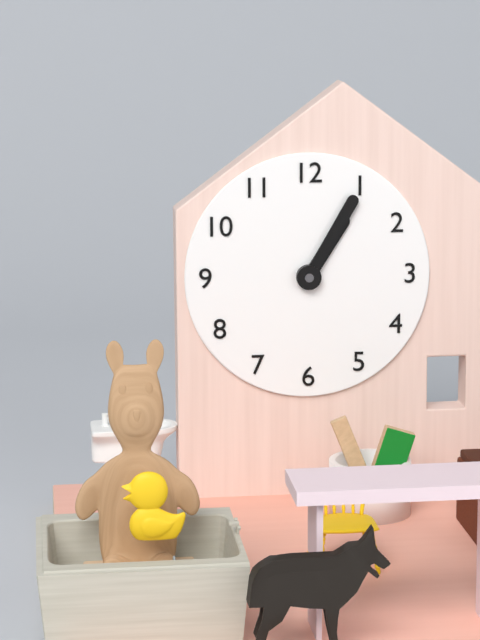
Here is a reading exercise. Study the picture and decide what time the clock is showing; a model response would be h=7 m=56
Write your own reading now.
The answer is h=1 m=5
